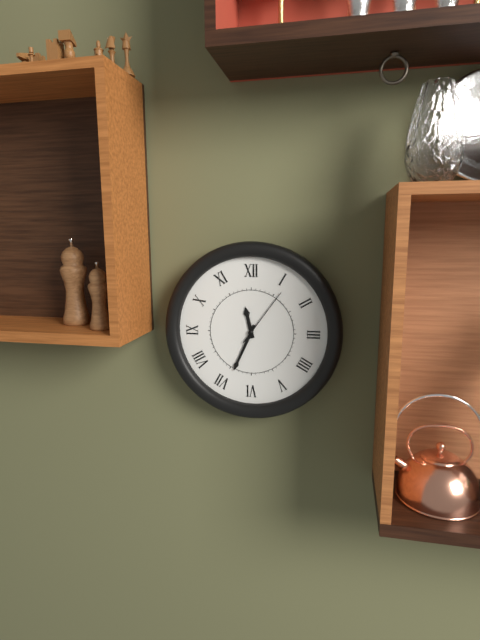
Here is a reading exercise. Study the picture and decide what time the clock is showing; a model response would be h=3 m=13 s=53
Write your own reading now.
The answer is h=11 m=34 s=6
